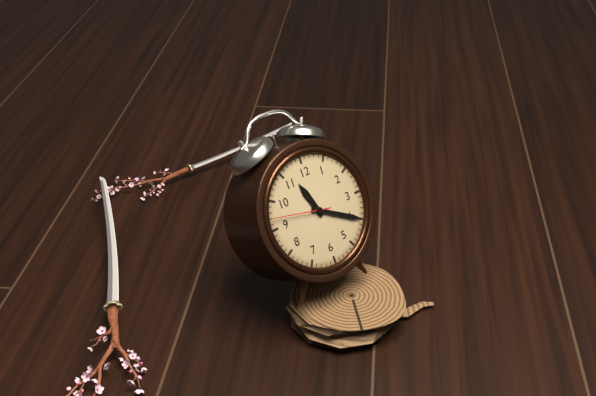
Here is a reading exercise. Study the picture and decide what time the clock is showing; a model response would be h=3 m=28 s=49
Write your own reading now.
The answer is h=11 m=20 s=47
